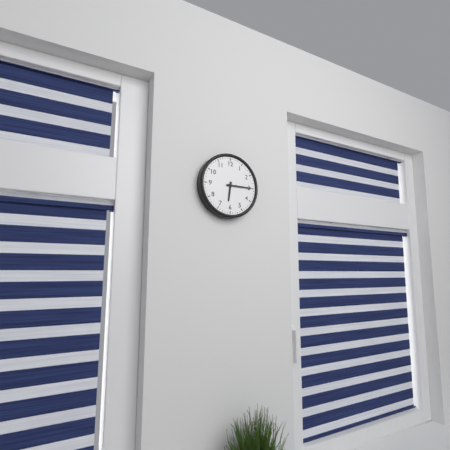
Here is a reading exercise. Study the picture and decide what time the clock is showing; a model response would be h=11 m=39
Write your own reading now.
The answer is h=6 m=15
